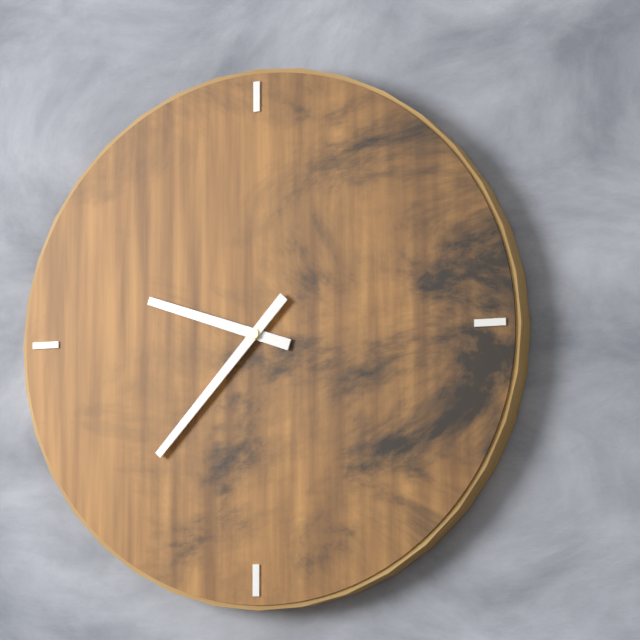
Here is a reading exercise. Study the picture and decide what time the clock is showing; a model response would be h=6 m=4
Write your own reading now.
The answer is h=9 m=37
